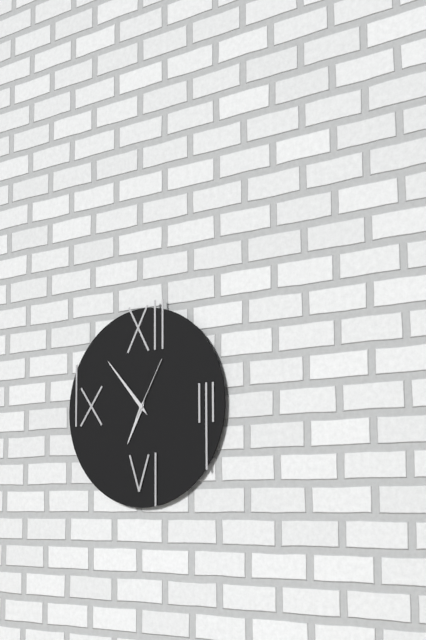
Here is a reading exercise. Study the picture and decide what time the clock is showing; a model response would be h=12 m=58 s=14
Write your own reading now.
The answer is h=6 m=53 s=5
